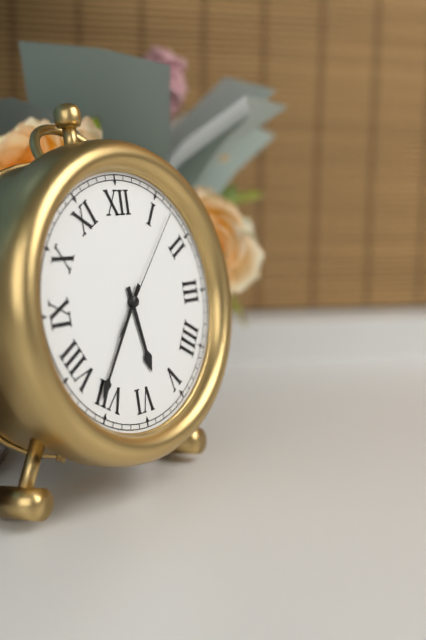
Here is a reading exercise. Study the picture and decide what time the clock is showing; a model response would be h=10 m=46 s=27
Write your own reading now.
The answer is h=5 m=36 s=7
